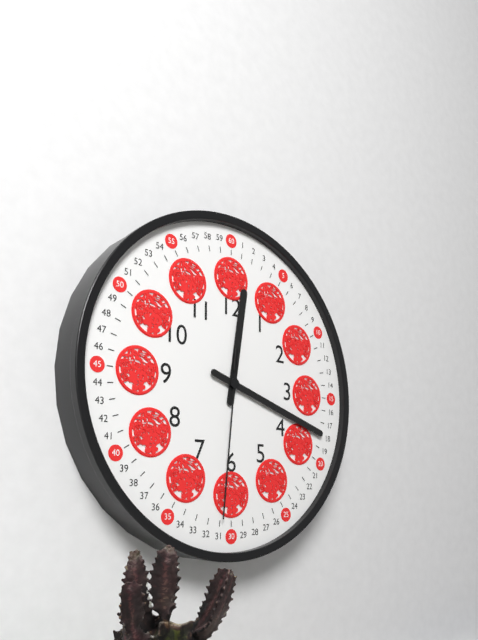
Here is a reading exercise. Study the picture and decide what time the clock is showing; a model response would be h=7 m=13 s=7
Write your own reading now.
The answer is h=12 m=18 s=31
